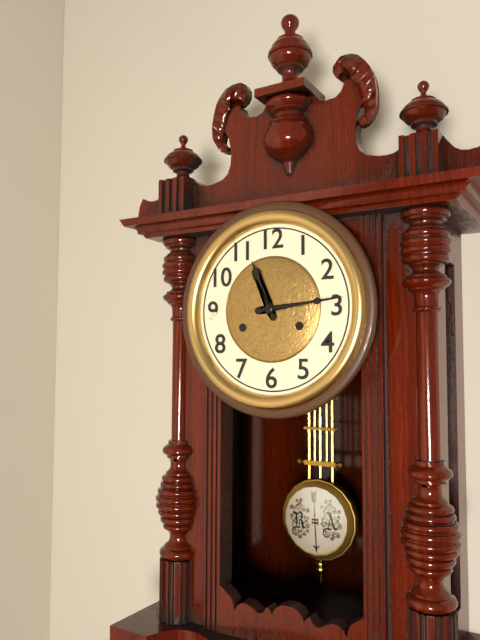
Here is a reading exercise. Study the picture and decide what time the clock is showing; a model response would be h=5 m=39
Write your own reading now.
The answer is h=11 m=14
